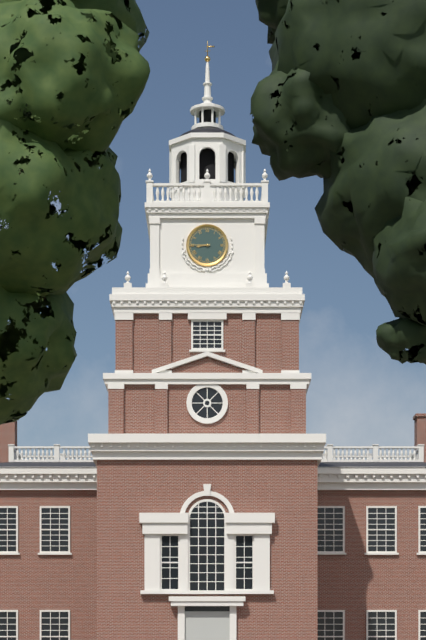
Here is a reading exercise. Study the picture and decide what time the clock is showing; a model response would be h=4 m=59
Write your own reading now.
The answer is h=8 m=45
